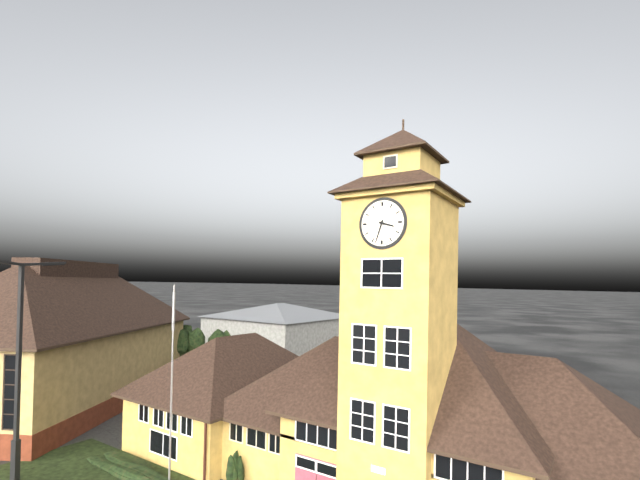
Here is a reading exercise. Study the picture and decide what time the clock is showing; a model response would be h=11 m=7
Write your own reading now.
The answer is h=3 m=33
